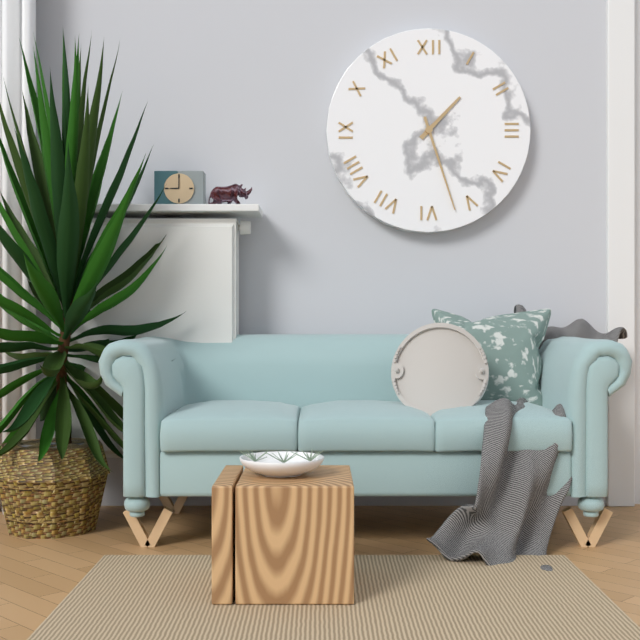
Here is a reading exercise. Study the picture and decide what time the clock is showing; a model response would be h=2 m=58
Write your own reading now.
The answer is h=1 m=27
